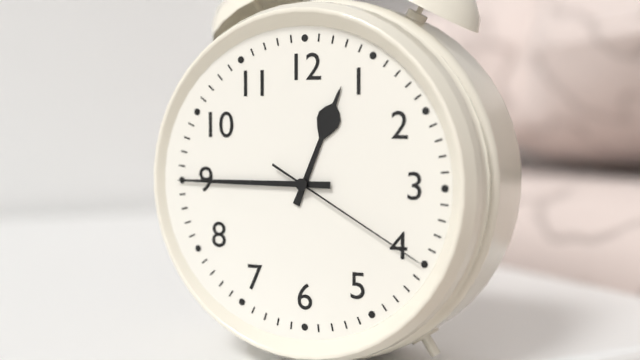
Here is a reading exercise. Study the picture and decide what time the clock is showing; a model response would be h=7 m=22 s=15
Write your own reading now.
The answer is h=12 m=45 s=20
